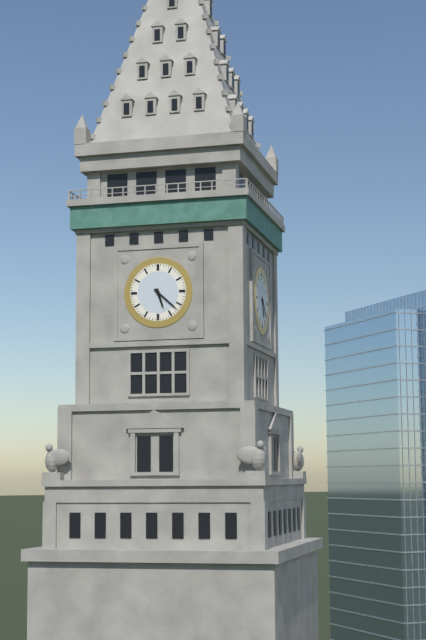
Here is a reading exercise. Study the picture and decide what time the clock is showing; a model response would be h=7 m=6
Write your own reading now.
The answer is h=5 m=22
